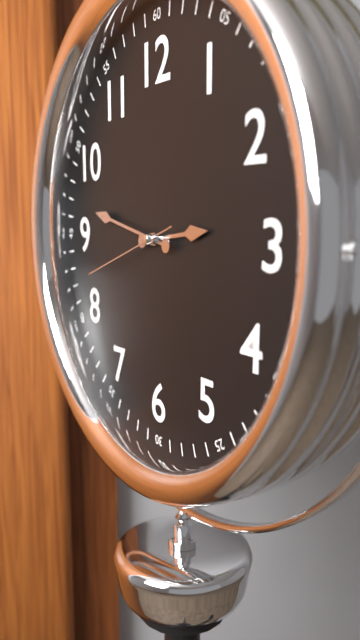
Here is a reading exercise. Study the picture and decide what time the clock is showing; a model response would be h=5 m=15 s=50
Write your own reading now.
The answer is h=2 m=47 s=42
